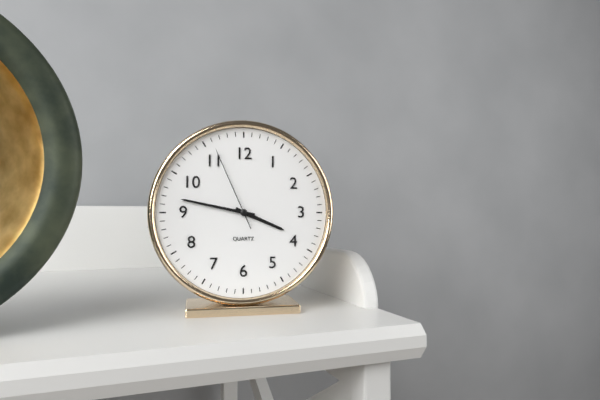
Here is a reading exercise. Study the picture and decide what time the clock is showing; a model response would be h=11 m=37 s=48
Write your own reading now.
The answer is h=3 m=47 s=56
